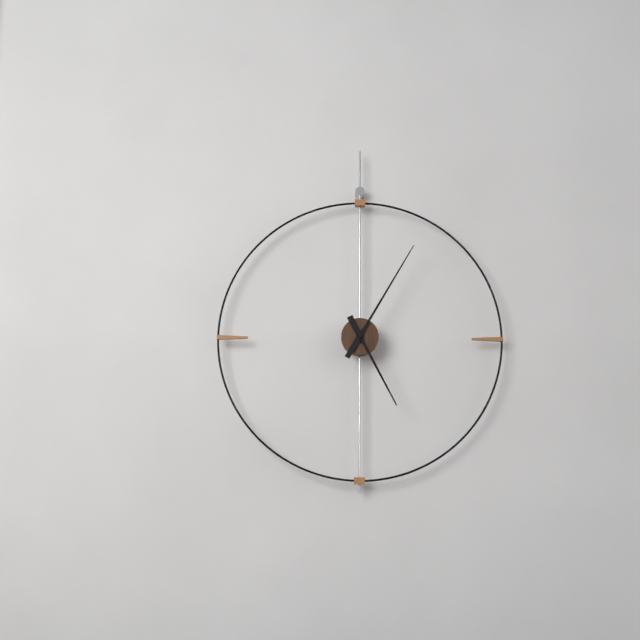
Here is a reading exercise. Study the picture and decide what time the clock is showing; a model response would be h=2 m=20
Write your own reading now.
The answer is h=5 m=5
